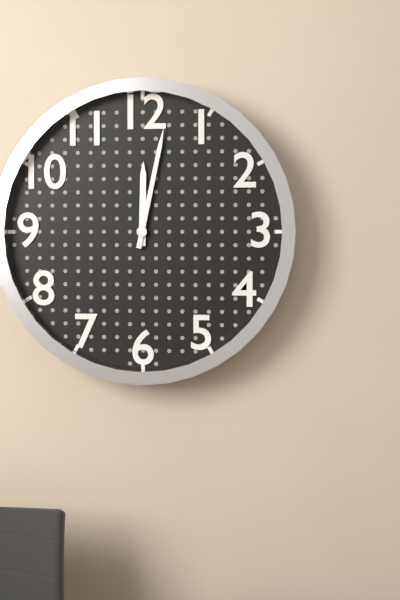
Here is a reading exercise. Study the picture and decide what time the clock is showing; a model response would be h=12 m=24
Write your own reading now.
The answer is h=12 m=2
